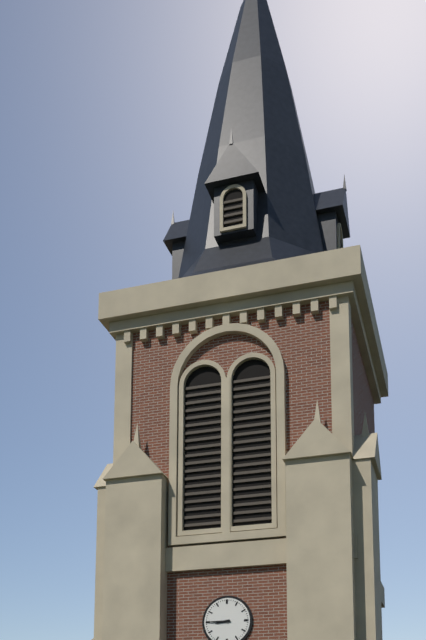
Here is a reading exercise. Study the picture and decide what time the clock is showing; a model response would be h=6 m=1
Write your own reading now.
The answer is h=8 m=45
